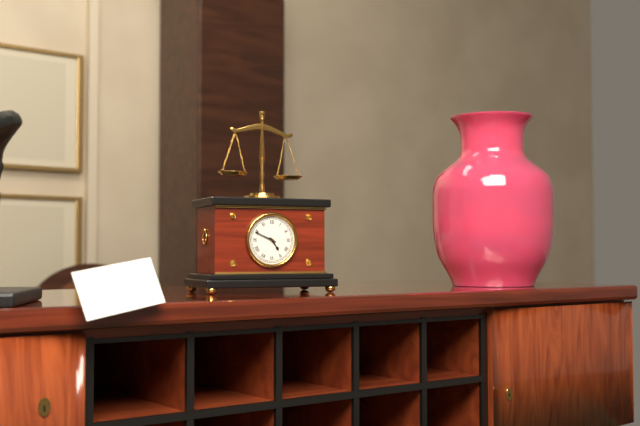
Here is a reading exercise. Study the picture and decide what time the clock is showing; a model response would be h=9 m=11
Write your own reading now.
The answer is h=4 m=49
